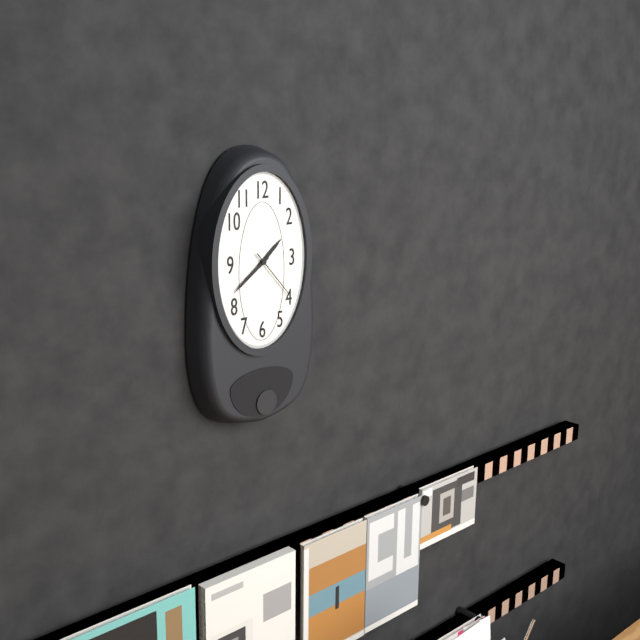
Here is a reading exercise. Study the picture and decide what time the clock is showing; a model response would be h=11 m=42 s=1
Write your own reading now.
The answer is h=1 m=39 s=23
